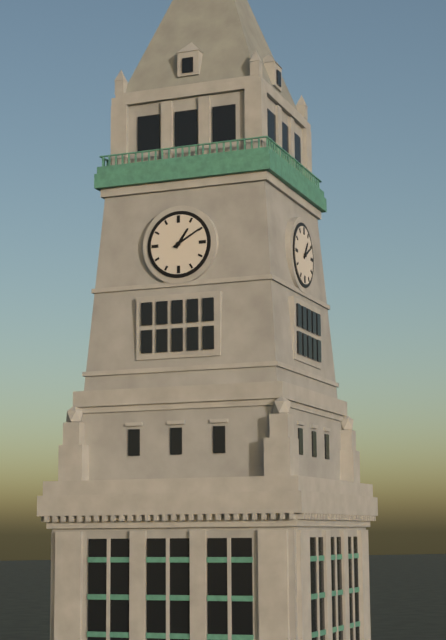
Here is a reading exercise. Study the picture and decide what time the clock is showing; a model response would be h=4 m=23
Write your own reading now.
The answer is h=1 m=10
